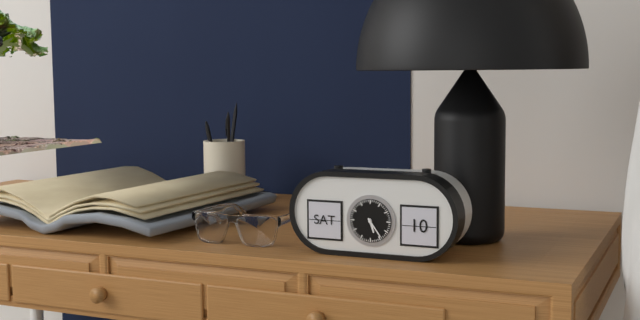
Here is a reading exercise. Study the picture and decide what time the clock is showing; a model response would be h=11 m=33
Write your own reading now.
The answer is h=5 m=24
